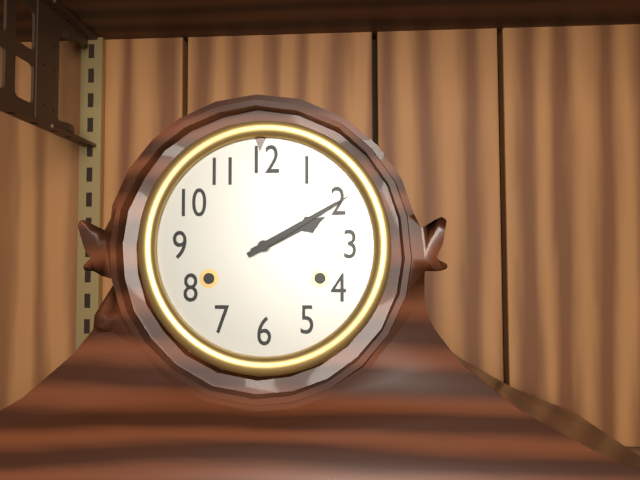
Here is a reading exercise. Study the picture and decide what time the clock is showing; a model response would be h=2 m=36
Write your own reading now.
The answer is h=2 m=10
